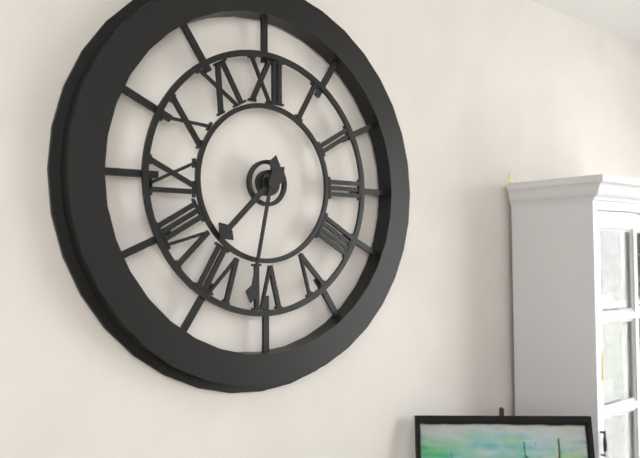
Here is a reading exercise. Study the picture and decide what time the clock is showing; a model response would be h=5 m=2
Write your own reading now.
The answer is h=7 m=32
